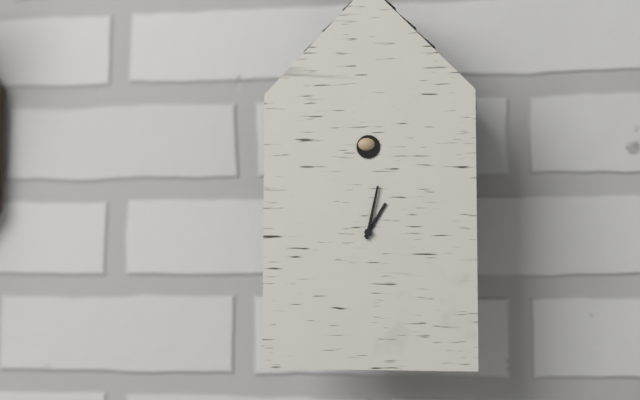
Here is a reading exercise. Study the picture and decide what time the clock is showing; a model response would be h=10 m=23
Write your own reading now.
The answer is h=1 m=2
